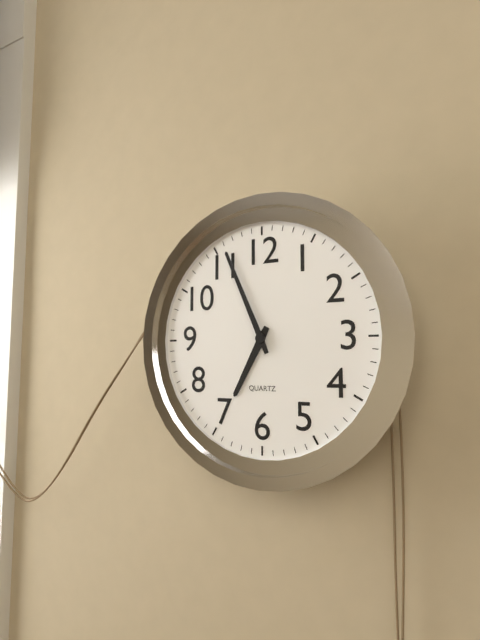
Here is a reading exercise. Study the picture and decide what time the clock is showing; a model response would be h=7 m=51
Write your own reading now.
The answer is h=6 m=56
